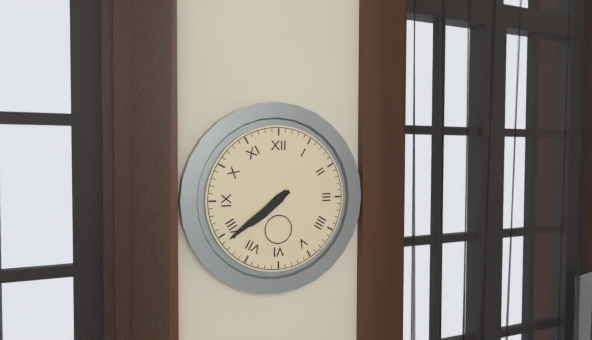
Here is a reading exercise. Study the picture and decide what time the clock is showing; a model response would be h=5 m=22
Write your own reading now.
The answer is h=7 m=39
